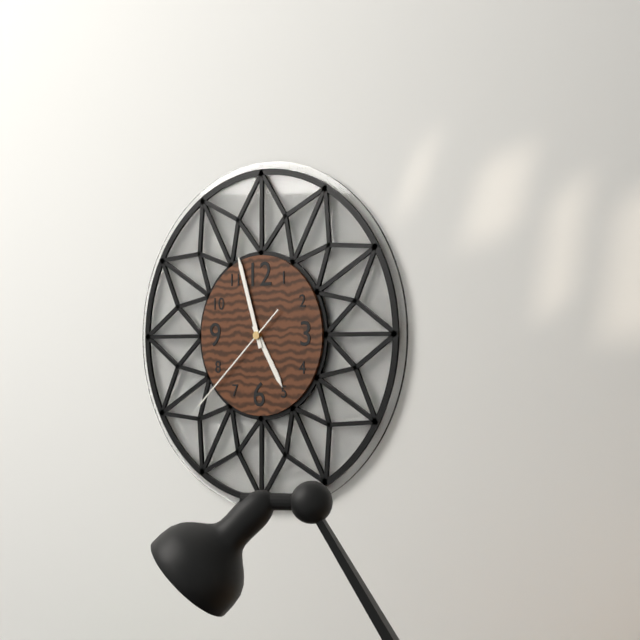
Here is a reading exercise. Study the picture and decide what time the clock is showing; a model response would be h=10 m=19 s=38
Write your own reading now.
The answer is h=4 m=57 s=38
